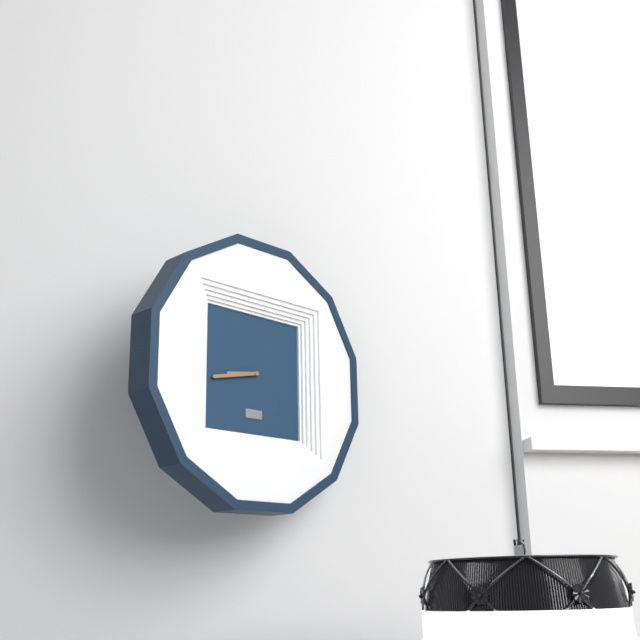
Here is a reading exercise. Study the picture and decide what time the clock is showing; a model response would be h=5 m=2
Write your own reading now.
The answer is h=8 m=43
